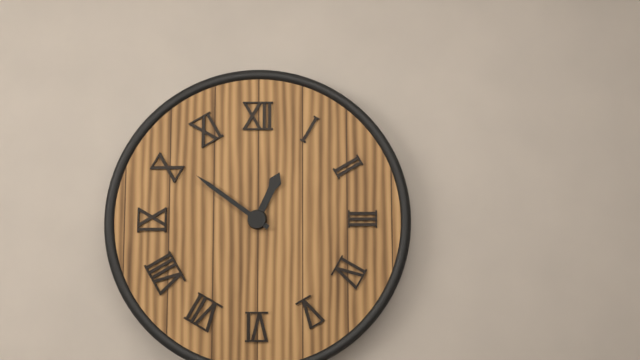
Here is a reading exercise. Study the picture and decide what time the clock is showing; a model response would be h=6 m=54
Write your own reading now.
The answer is h=12 m=51
